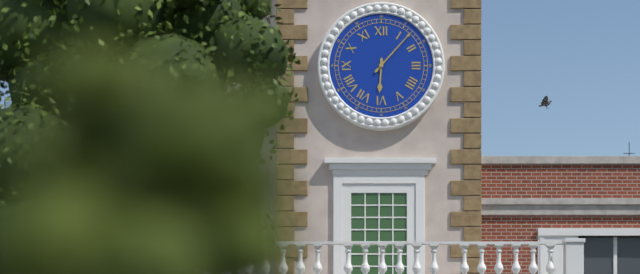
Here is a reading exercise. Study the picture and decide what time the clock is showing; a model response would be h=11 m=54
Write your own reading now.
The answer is h=6 m=7
